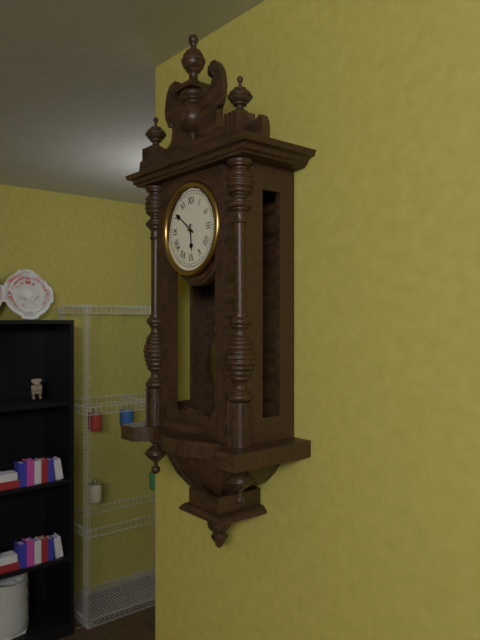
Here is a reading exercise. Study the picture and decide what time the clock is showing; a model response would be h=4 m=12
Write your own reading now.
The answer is h=5 m=51
